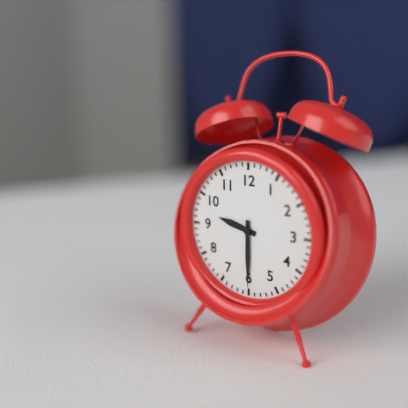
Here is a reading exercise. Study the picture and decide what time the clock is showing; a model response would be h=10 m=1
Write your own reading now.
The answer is h=9 m=30
